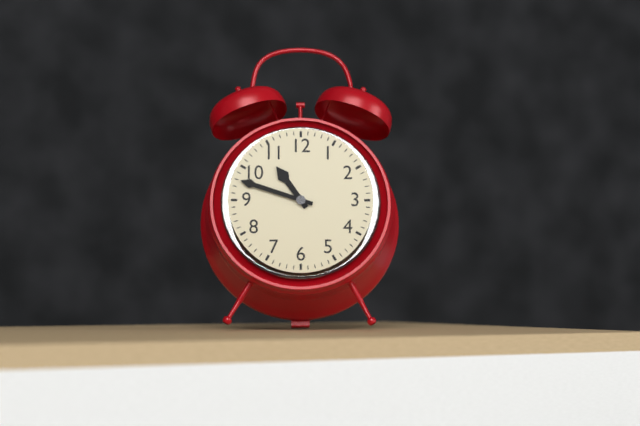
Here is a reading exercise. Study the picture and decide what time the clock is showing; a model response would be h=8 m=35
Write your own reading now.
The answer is h=10 m=48
